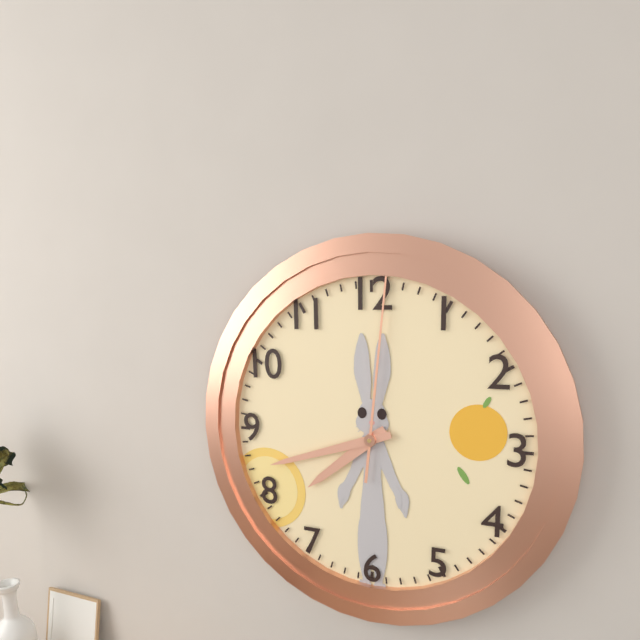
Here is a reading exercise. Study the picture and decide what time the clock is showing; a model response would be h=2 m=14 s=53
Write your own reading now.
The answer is h=7 m=42 s=1
